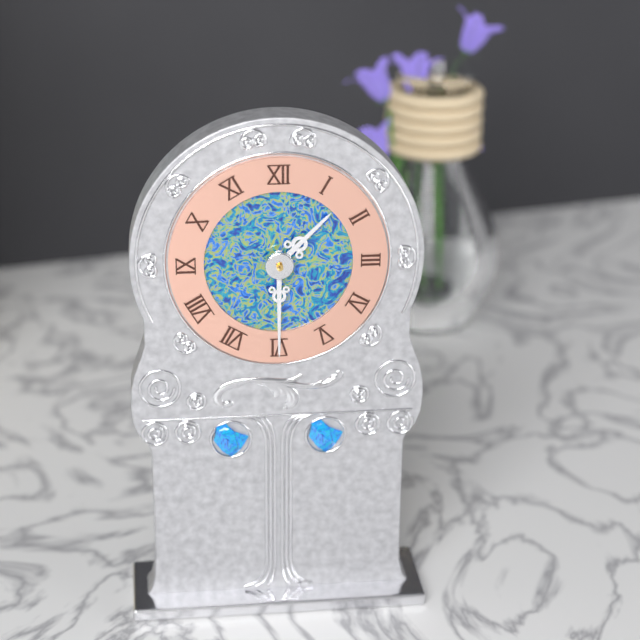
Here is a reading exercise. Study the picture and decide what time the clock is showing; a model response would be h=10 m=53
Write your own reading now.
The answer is h=1 m=30
